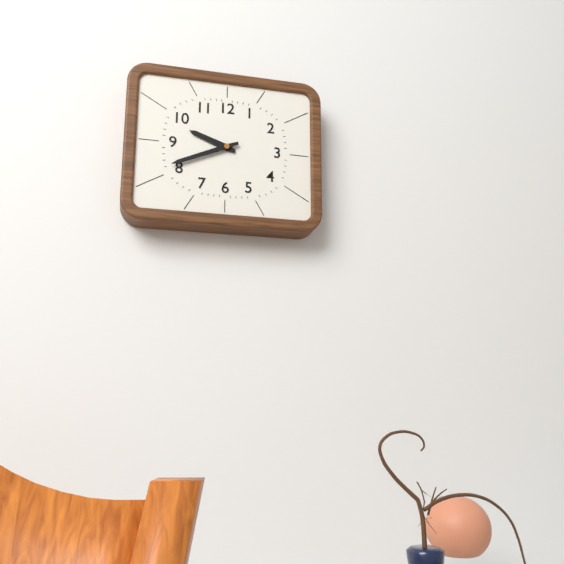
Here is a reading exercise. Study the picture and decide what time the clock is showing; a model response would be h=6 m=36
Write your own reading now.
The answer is h=9 m=41
